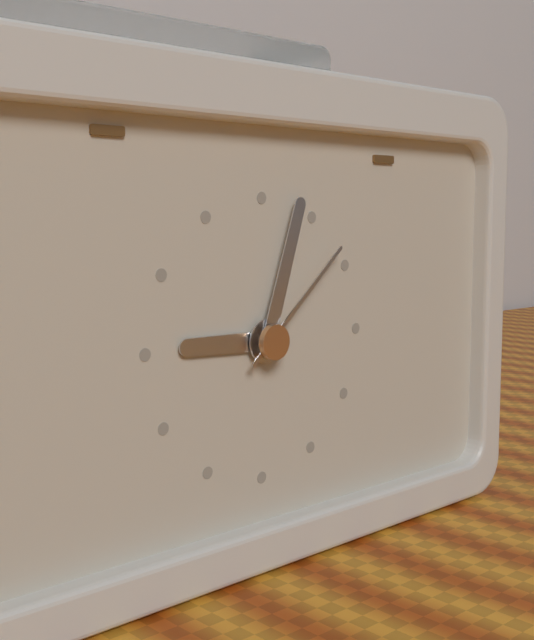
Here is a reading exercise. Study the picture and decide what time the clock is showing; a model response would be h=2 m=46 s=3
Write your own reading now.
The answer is h=9 m=3 s=8
